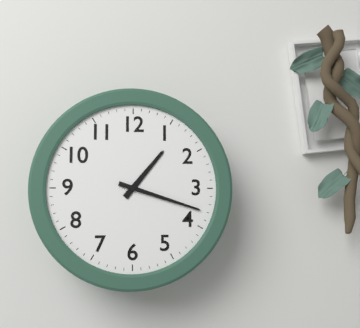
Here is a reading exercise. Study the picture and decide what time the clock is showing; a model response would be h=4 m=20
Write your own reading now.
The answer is h=1 m=18
